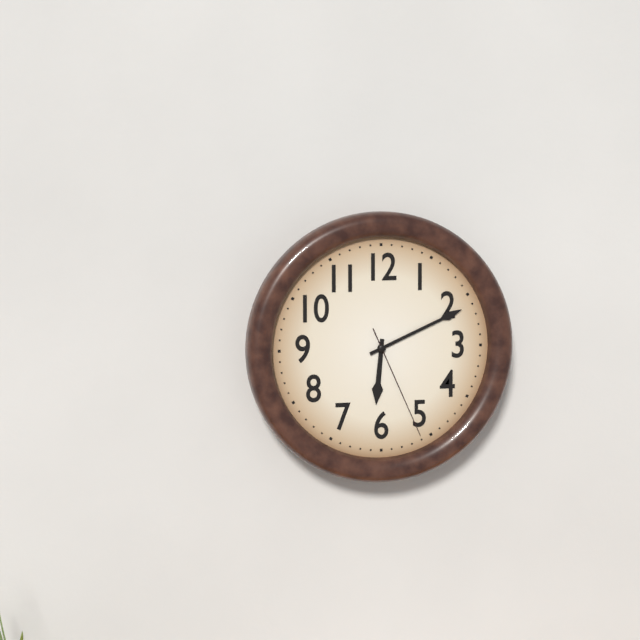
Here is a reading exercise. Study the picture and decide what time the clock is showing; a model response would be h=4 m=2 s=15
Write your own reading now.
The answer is h=6 m=11 s=26
